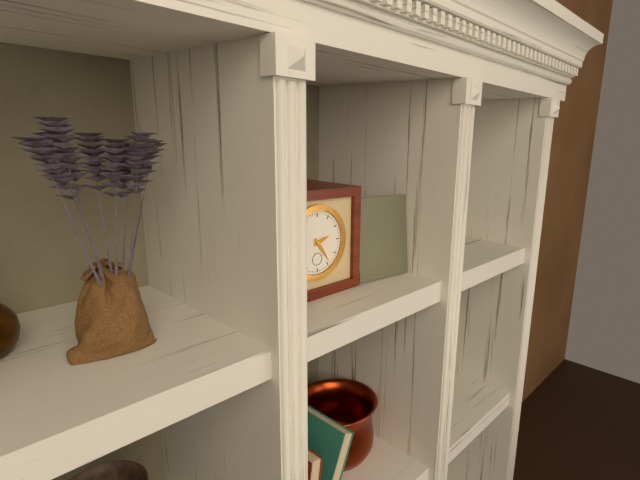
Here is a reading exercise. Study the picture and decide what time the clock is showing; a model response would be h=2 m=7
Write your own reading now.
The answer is h=2 m=24
